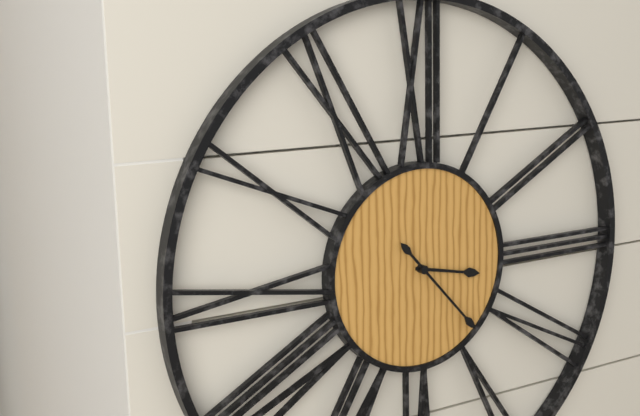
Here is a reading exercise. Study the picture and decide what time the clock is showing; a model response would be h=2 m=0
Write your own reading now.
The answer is h=3 m=23
